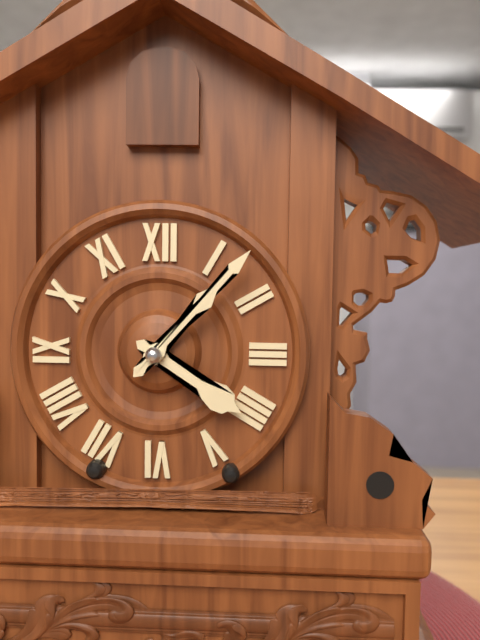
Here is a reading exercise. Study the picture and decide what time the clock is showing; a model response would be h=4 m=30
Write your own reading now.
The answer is h=4 m=7
